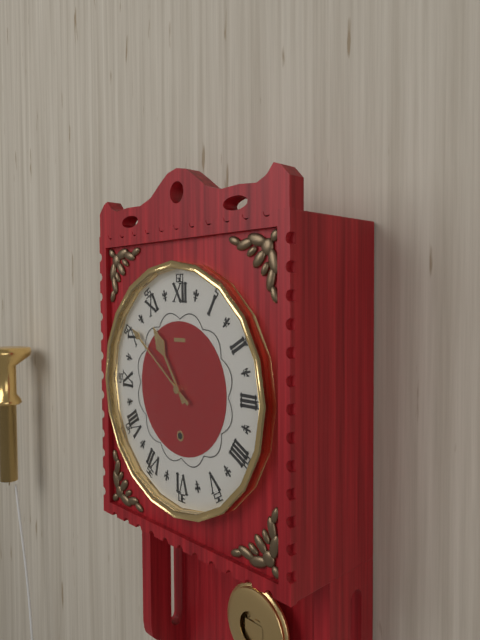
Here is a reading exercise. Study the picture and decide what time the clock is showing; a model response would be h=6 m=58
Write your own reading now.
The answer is h=10 m=51
